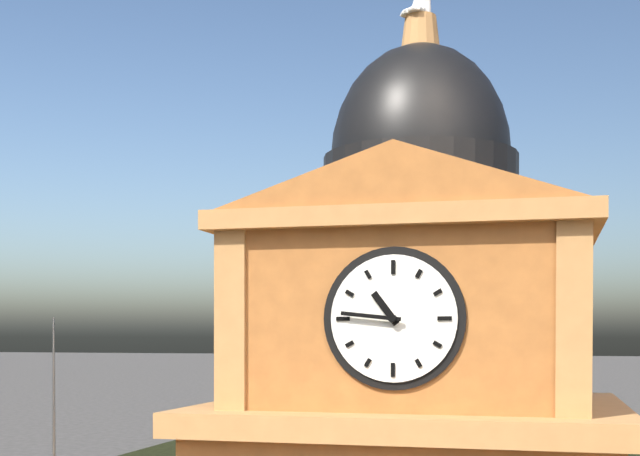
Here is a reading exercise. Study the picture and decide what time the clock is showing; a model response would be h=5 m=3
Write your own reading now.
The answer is h=10 m=46
